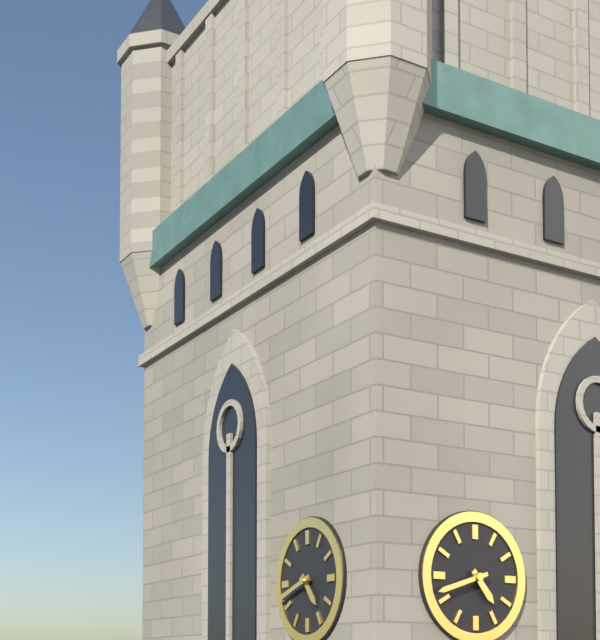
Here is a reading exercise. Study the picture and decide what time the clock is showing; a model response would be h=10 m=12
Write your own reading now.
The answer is h=4 m=42
